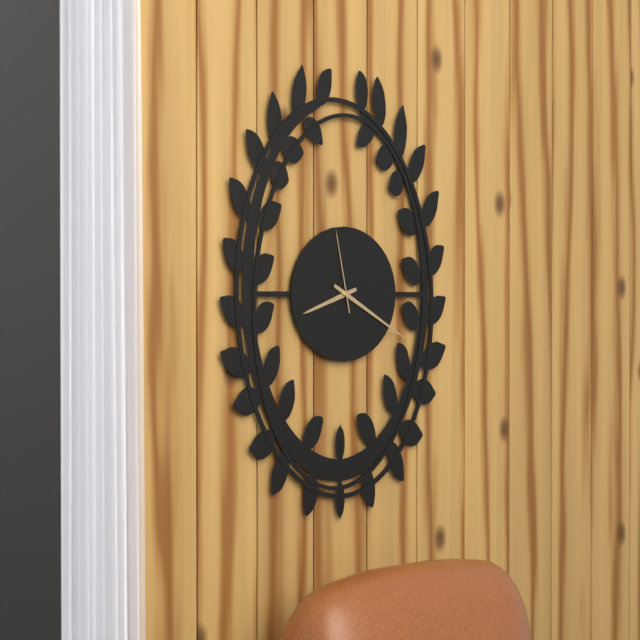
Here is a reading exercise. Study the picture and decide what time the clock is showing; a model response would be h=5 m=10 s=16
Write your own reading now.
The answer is h=8 m=20 s=58
